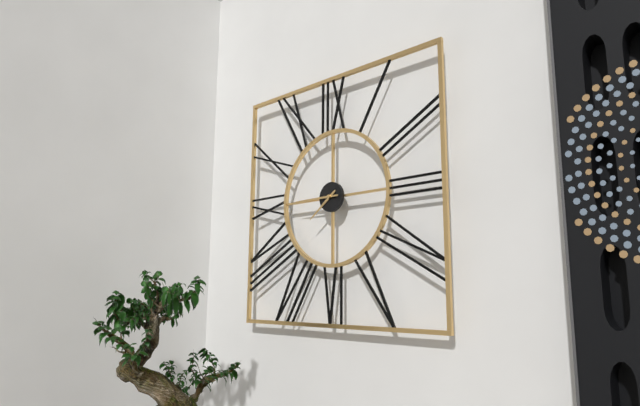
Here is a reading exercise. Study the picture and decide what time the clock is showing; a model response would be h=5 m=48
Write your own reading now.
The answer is h=7 m=45
